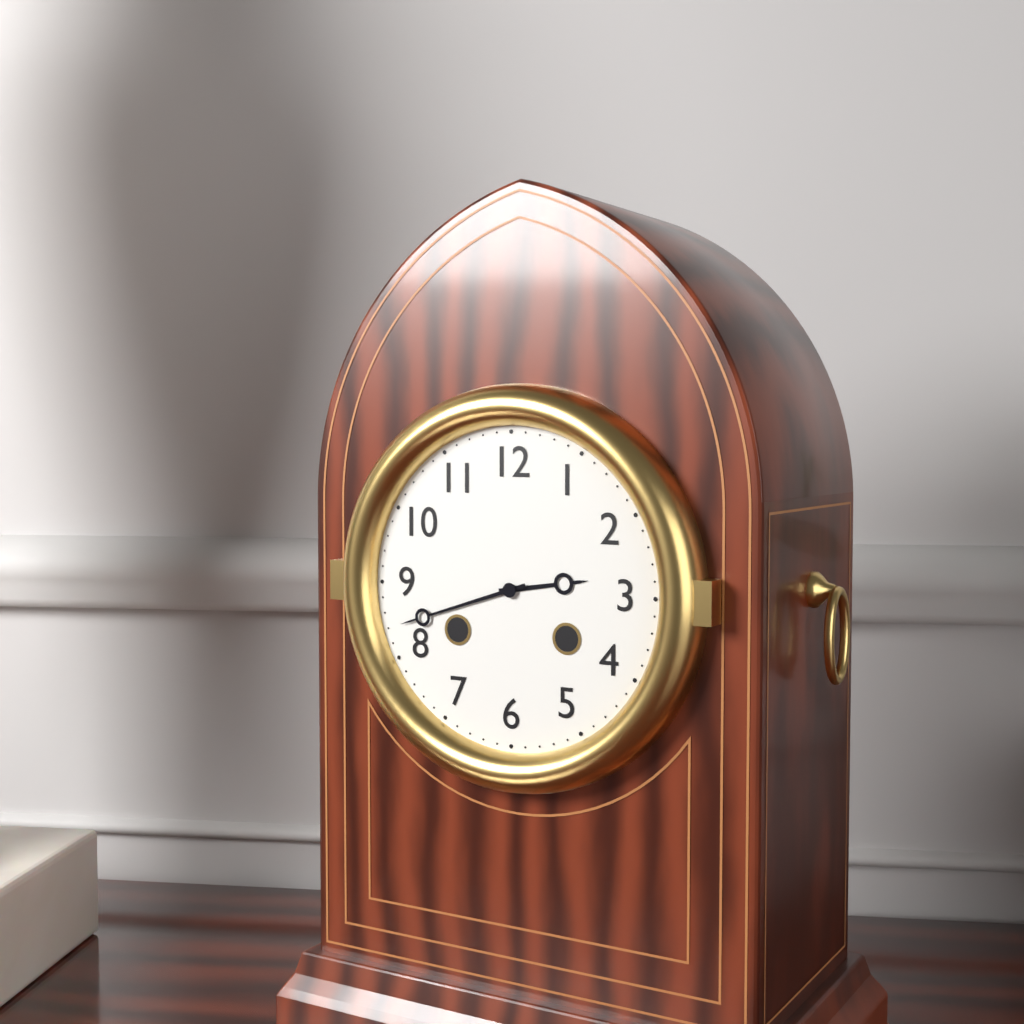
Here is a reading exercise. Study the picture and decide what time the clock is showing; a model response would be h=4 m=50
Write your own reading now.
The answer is h=2 m=42
